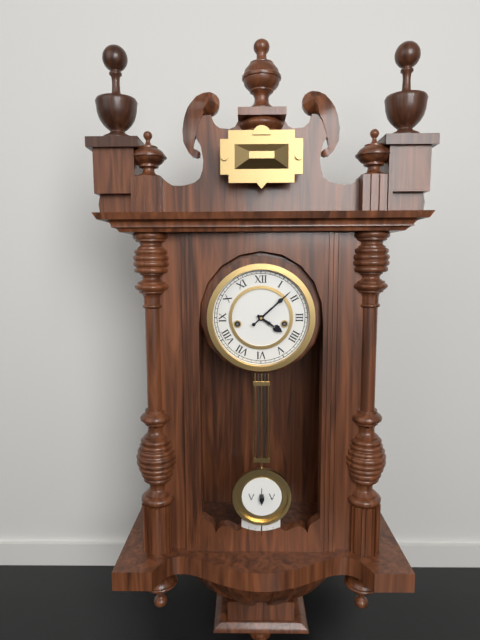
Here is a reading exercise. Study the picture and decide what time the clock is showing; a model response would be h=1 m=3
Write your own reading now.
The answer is h=4 m=8
